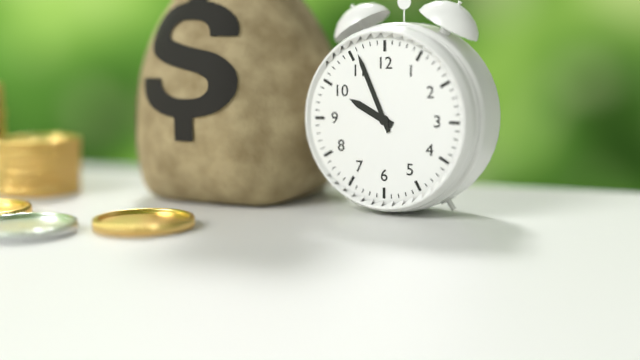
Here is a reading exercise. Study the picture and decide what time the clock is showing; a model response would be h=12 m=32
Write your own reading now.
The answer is h=9 m=56
